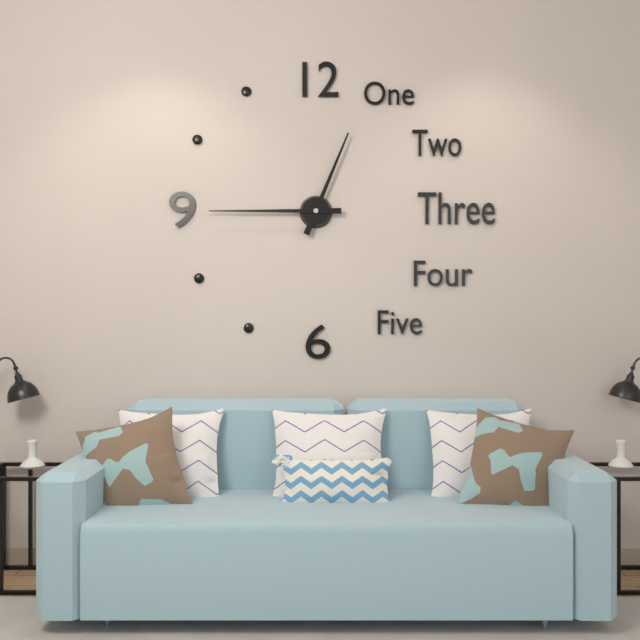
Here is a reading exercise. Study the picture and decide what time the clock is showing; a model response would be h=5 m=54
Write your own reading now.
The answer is h=12 m=45
